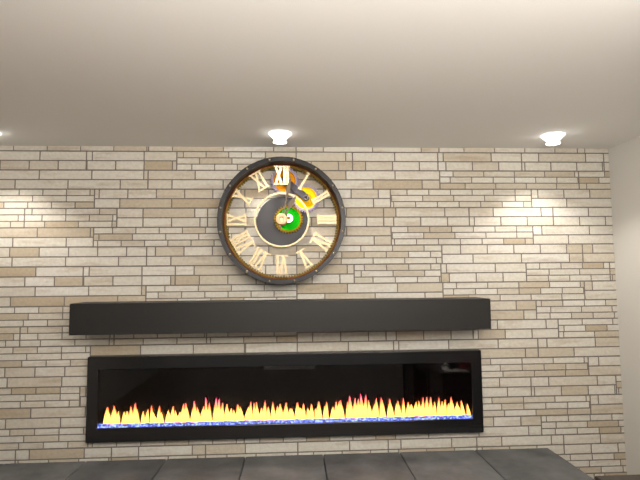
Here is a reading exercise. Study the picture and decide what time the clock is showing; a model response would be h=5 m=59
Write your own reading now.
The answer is h=1 m=2
